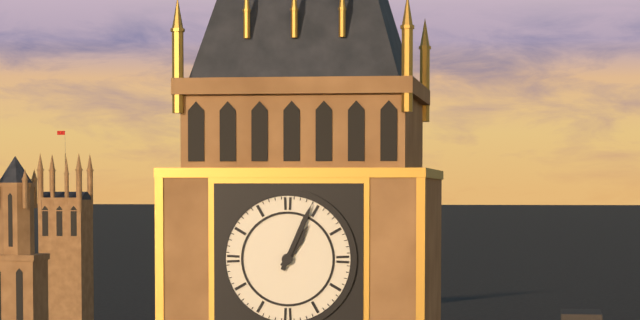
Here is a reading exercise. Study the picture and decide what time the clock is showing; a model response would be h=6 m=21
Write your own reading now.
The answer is h=1 m=4
